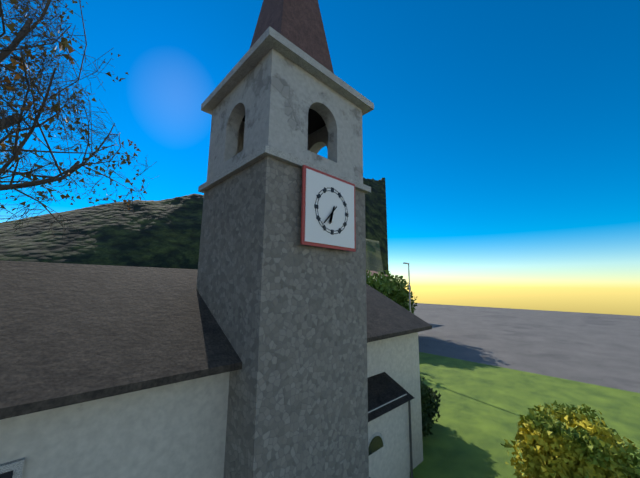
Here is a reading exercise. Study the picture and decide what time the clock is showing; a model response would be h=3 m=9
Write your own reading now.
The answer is h=6 m=37
